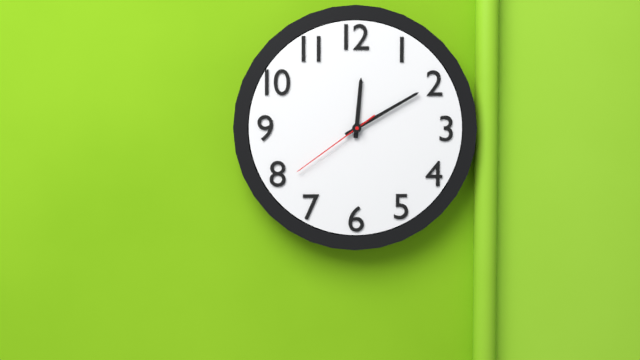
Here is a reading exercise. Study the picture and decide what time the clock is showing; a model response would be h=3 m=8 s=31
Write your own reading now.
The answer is h=12 m=10 s=39
